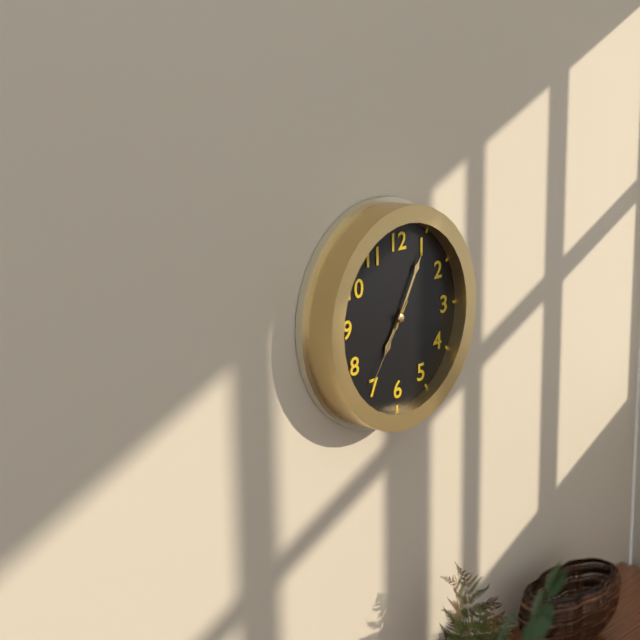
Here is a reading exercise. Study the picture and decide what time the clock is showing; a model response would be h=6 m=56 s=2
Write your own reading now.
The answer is h=7 m=5 s=36
